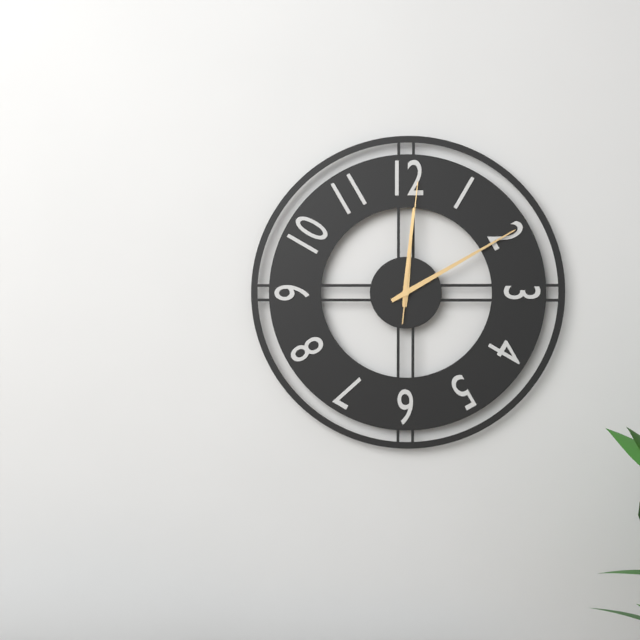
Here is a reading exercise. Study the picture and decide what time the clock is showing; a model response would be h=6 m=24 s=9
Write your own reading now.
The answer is h=12 m=10 s=1
